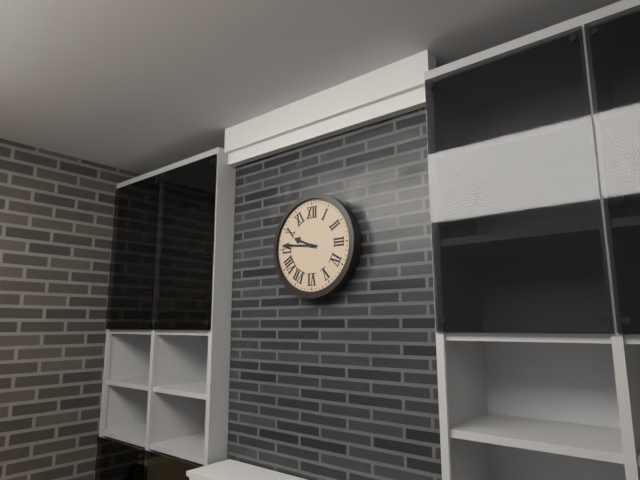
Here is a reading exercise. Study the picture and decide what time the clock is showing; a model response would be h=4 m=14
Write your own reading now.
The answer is h=9 m=46
